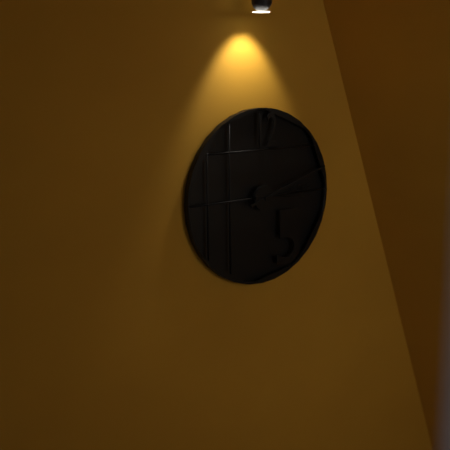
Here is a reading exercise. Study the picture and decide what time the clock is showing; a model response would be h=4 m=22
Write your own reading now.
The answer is h=3 m=12
